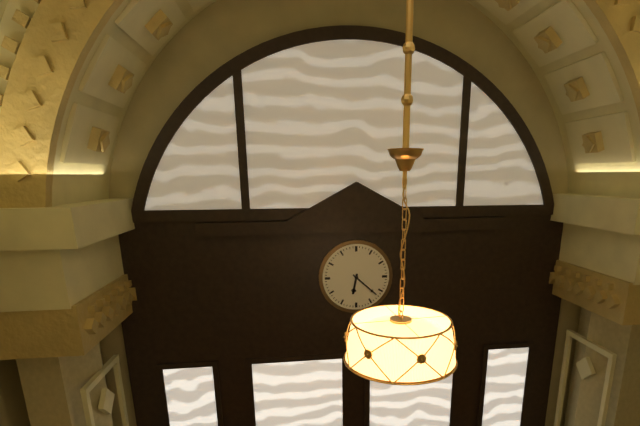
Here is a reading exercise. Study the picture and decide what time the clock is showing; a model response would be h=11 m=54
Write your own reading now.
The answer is h=6 m=22
